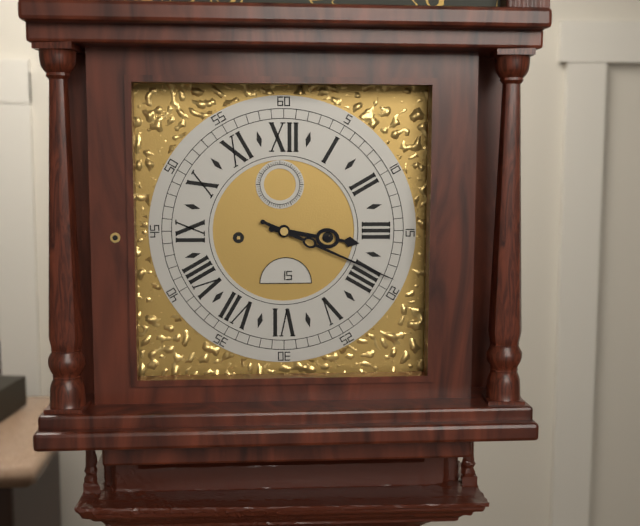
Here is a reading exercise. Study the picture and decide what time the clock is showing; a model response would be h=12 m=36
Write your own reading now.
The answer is h=3 m=19
